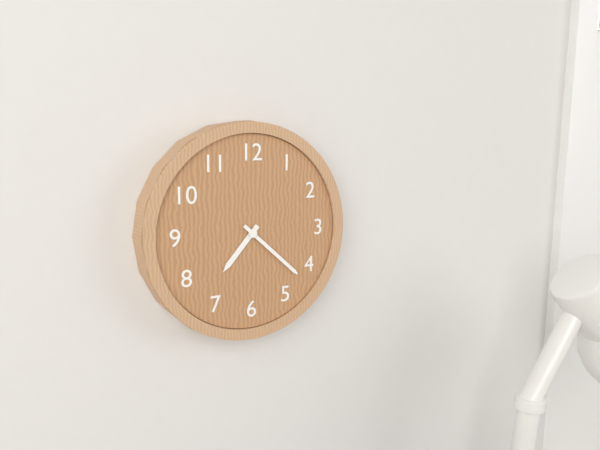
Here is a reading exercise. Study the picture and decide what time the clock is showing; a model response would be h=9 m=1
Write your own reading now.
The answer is h=7 m=22
